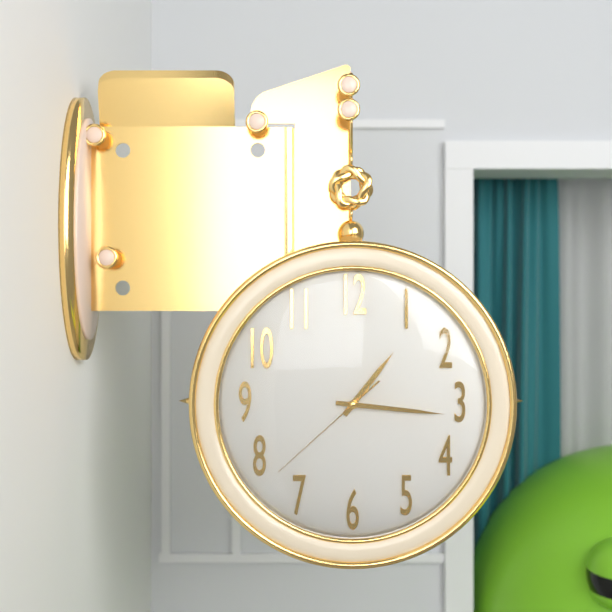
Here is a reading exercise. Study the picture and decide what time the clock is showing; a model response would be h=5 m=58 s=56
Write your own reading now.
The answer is h=1 m=16 s=38
